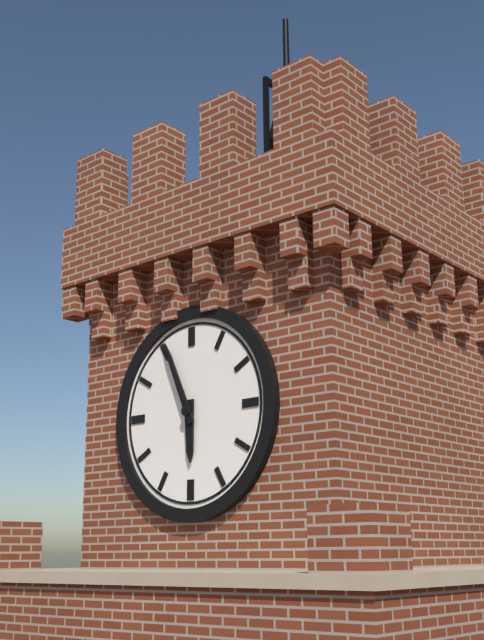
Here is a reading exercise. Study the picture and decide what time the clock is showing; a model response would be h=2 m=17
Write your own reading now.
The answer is h=5 m=56
